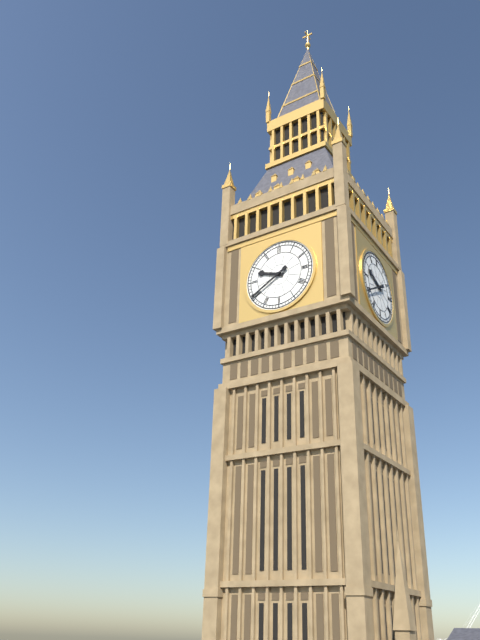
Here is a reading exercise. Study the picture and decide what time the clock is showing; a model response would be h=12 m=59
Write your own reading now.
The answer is h=9 m=40
